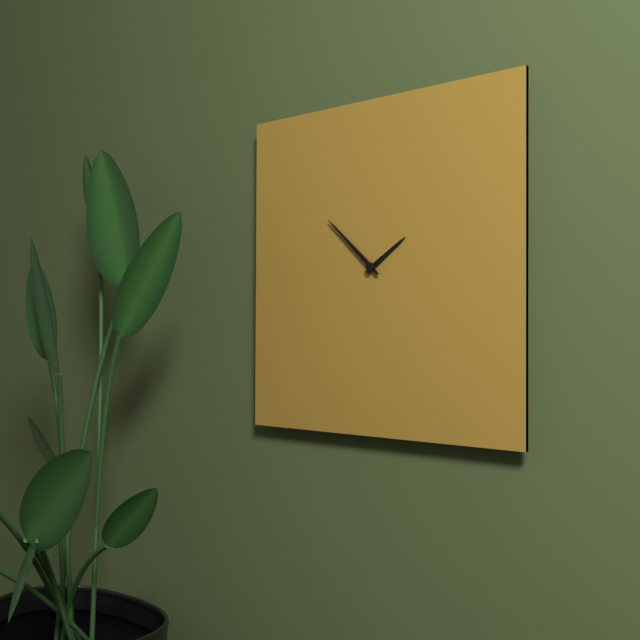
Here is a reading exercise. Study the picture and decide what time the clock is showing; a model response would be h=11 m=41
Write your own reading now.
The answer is h=1 m=52
